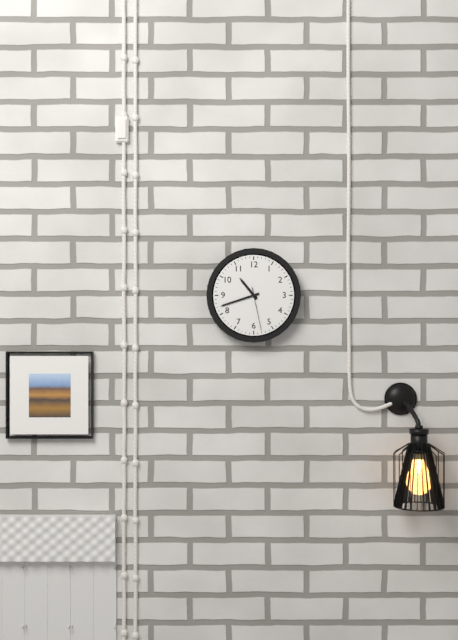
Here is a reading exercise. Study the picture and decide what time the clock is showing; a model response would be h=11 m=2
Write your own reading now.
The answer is h=10 m=42
